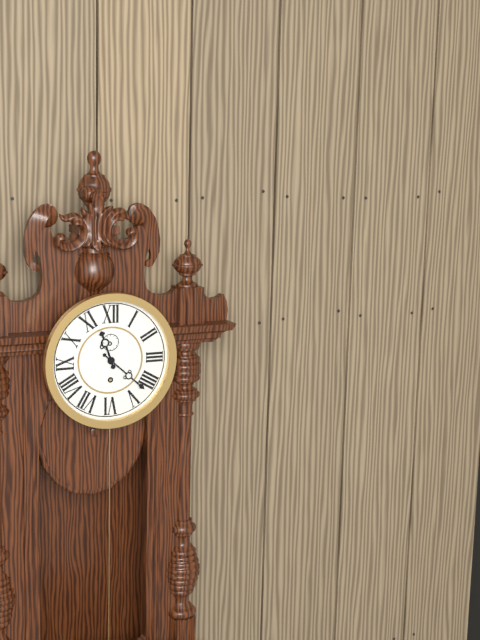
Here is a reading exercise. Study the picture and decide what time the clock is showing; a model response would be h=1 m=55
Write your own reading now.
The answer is h=11 m=22
